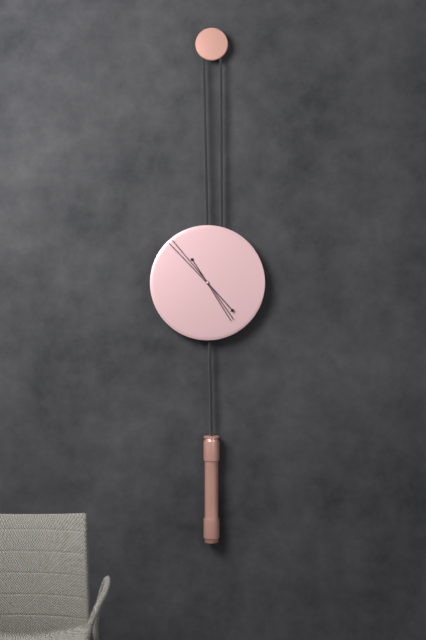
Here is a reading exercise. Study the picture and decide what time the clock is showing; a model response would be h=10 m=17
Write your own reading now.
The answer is h=4 m=53
